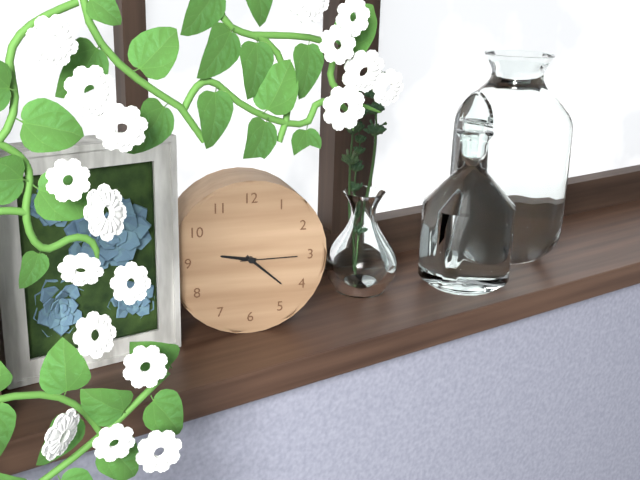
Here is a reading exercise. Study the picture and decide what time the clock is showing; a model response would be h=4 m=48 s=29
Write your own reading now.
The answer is h=9 m=22 s=15
